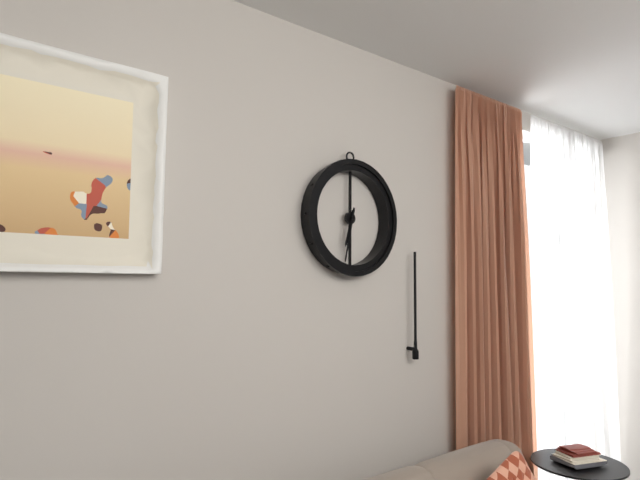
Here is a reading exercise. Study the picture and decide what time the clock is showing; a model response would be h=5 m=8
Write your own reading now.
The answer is h=6 m=32
